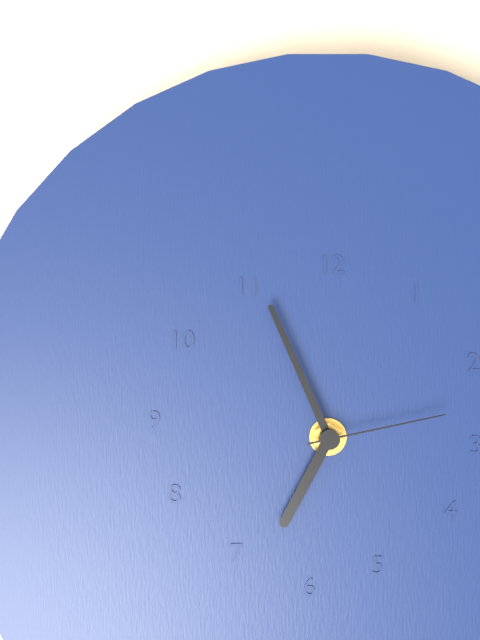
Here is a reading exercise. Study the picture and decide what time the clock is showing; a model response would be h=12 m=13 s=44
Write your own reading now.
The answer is h=6 m=56 s=13
